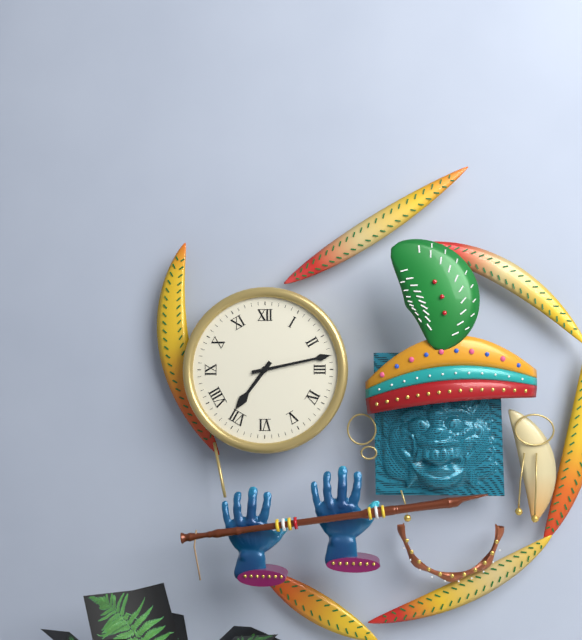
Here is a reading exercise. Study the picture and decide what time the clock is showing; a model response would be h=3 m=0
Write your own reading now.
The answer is h=7 m=13
